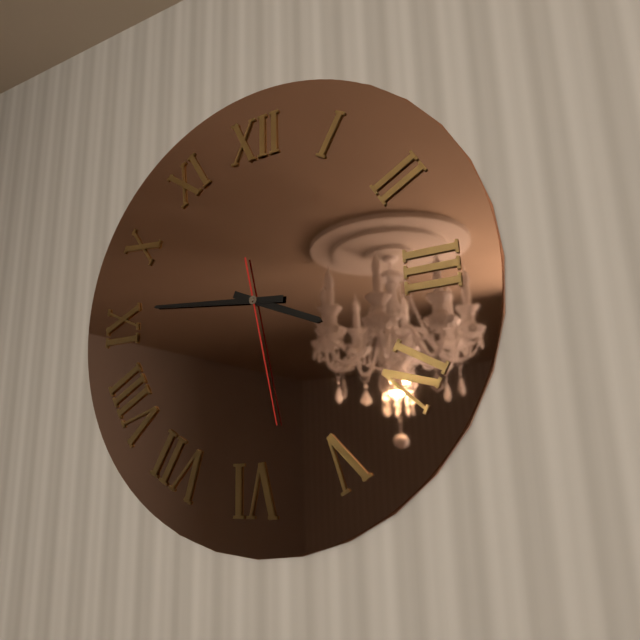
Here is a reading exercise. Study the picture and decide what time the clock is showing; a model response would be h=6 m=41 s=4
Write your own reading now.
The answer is h=3 m=46 s=28
